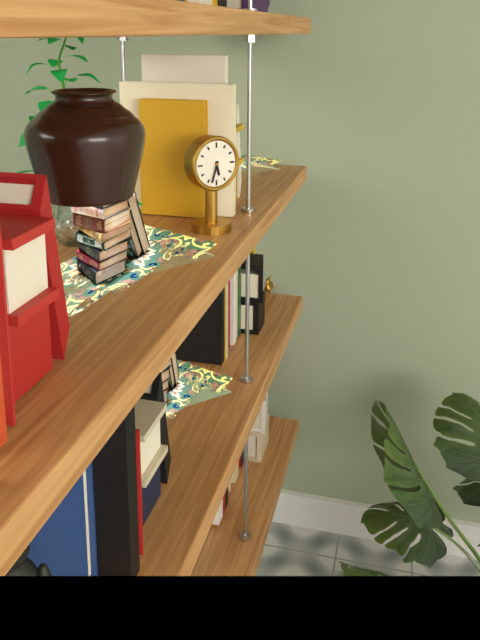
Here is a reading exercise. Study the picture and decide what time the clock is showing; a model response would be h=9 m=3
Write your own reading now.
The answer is h=5 m=33
